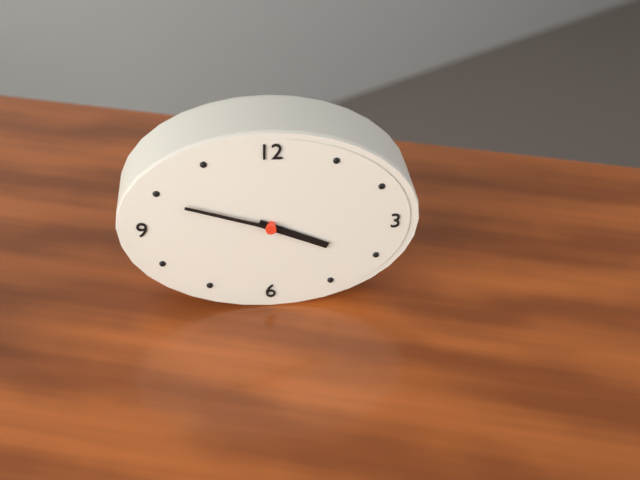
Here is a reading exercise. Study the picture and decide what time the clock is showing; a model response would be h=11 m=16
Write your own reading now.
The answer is h=3 m=48
